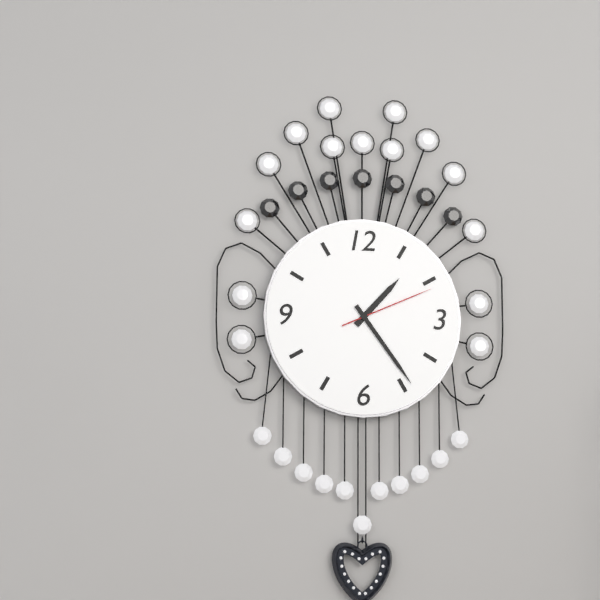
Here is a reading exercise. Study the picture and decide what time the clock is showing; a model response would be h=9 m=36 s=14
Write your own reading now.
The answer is h=1 m=24 s=11
